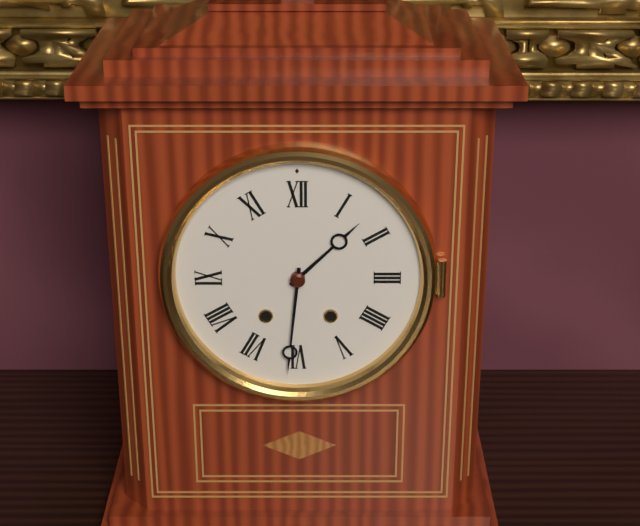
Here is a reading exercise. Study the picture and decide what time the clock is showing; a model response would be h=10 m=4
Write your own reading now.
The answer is h=1 m=31
